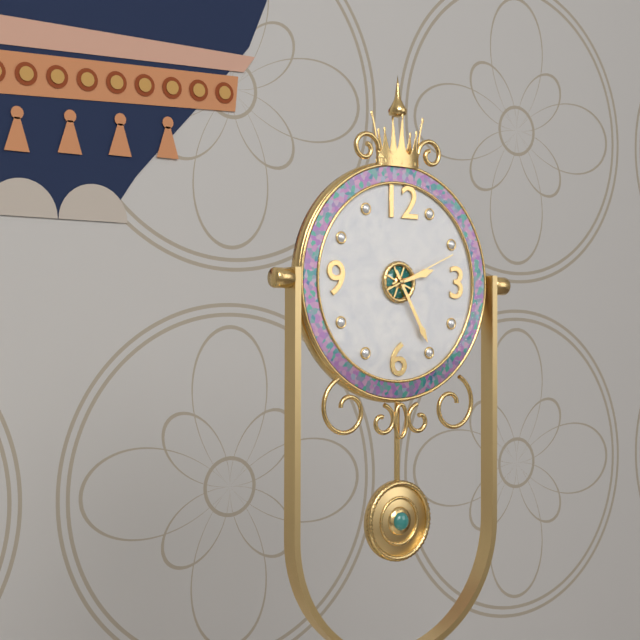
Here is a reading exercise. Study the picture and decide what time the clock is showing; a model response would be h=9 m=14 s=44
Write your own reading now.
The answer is h=2 m=25 s=11
